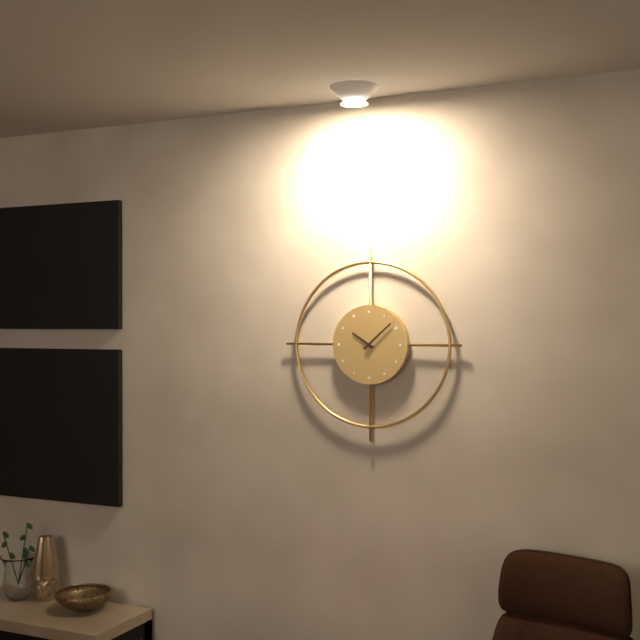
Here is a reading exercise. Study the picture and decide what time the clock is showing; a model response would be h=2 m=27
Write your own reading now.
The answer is h=10 m=8
